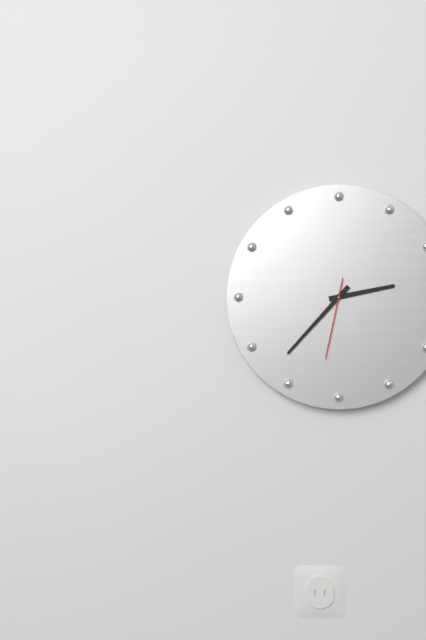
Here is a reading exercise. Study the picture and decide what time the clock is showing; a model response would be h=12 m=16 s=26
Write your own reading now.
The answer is h=2 m=37 s=32
